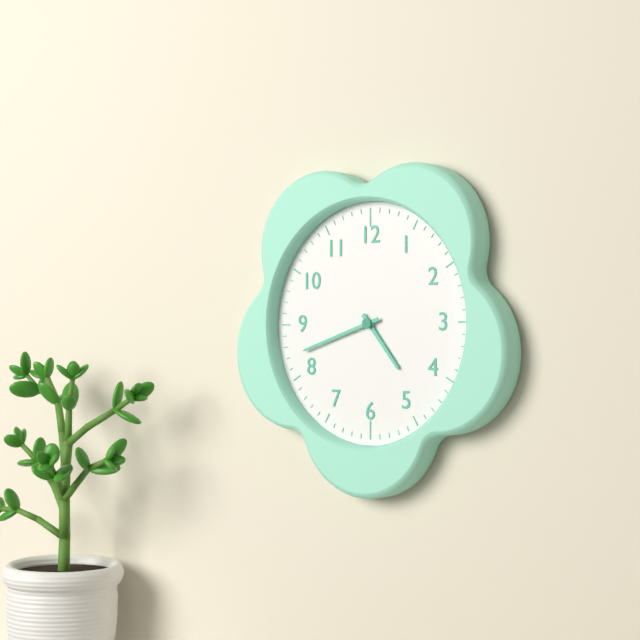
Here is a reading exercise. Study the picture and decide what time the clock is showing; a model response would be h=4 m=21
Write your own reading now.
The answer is h=4 m=42
